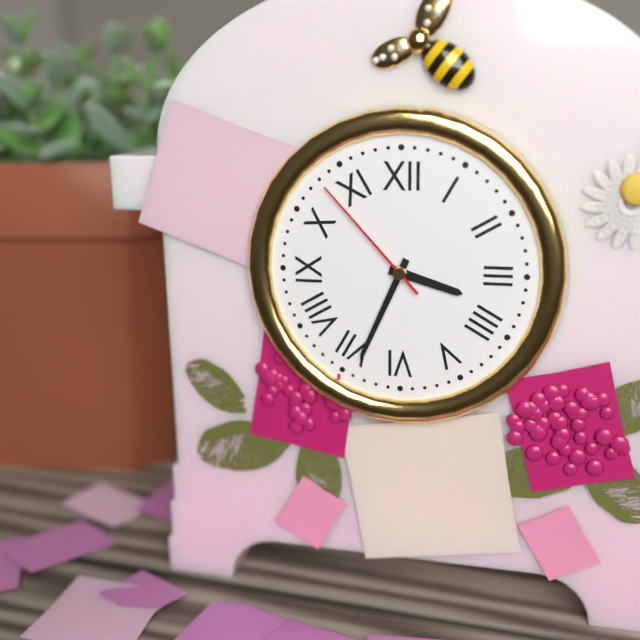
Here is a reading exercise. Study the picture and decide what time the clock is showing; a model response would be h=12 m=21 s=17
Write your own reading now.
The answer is h=3 m=34 s=53
